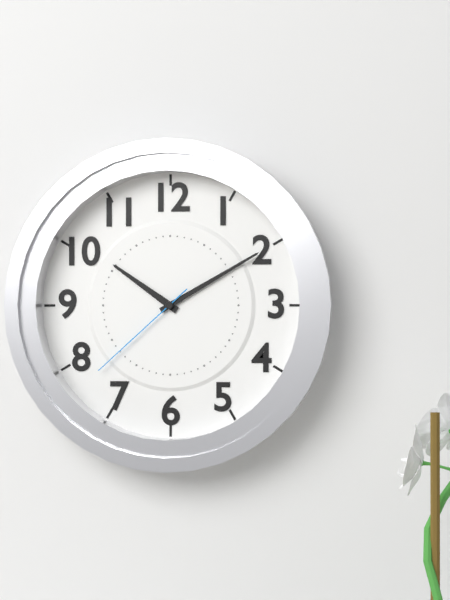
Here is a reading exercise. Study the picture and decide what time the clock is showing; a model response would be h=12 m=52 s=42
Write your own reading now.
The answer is h=10 m=10 s=38
